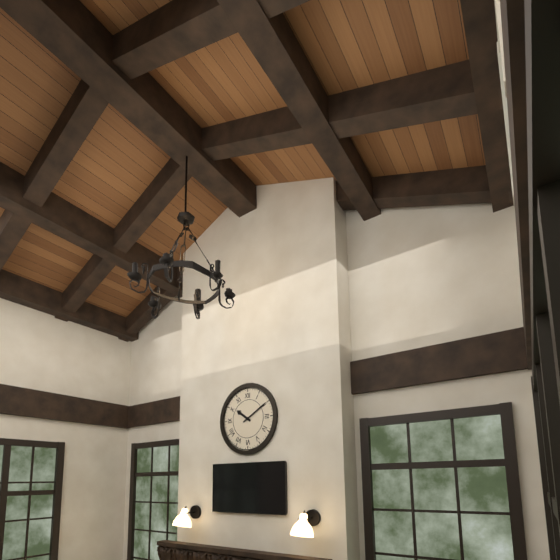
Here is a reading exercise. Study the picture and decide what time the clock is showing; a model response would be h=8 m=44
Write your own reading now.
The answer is h=10 m=10
